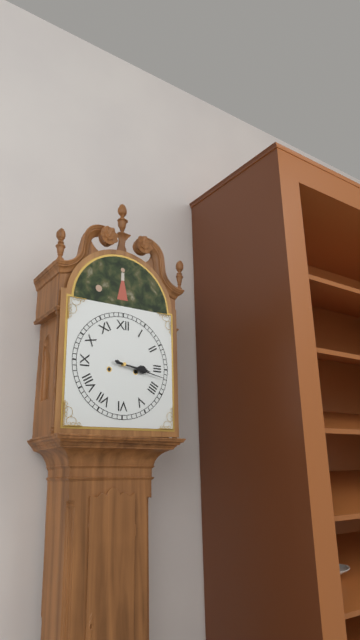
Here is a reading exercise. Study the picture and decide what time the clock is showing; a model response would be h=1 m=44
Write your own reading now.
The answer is h=3 m=17
